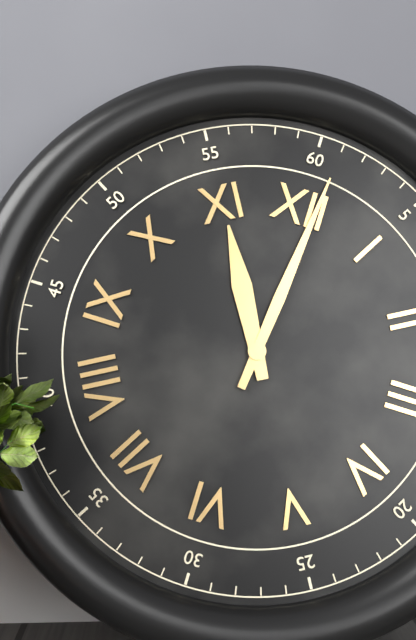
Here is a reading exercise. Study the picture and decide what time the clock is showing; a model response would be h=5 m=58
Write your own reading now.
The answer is h=11 m=1
